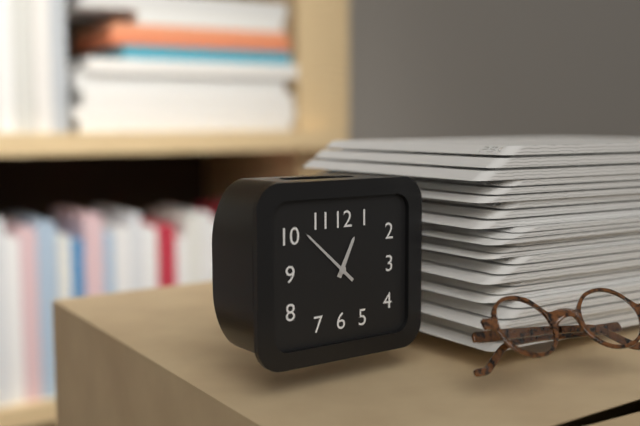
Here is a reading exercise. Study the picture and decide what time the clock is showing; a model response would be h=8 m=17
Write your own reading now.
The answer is h=12 m=52
